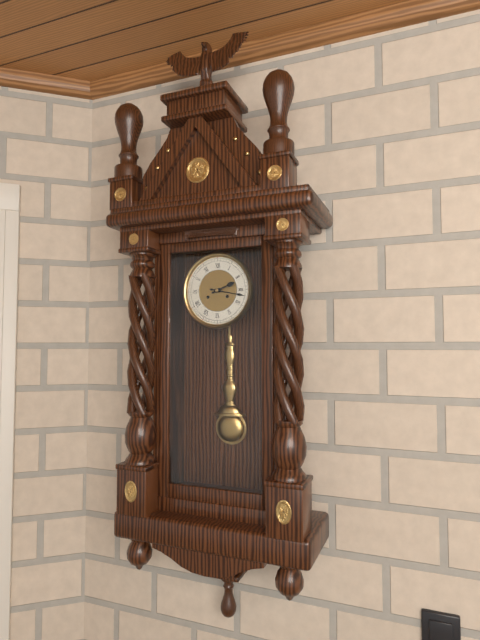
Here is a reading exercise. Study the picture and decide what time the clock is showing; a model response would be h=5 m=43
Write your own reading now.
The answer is h=2 m=17
